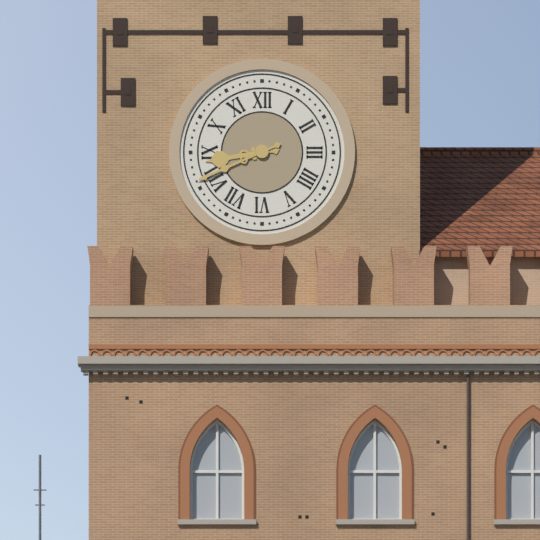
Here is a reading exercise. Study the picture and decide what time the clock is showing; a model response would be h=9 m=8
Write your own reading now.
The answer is h=8 m=41
